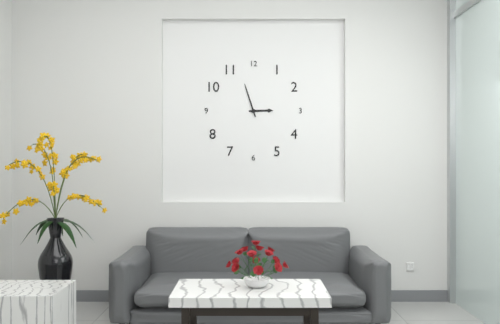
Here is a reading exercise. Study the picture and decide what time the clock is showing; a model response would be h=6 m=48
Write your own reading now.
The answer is h=2 m=57
